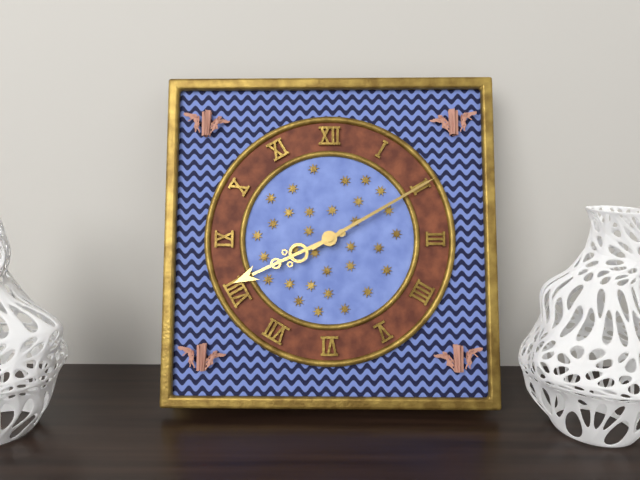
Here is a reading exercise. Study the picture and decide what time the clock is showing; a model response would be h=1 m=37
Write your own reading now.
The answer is h=8 m=10
